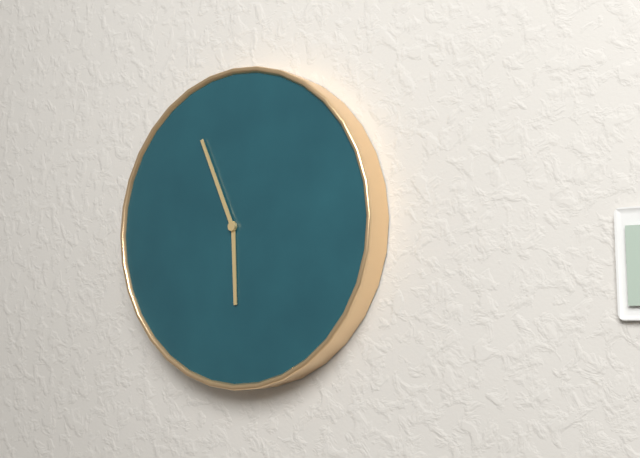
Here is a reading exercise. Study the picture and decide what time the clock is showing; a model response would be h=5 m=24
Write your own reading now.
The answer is h=5 m=56
